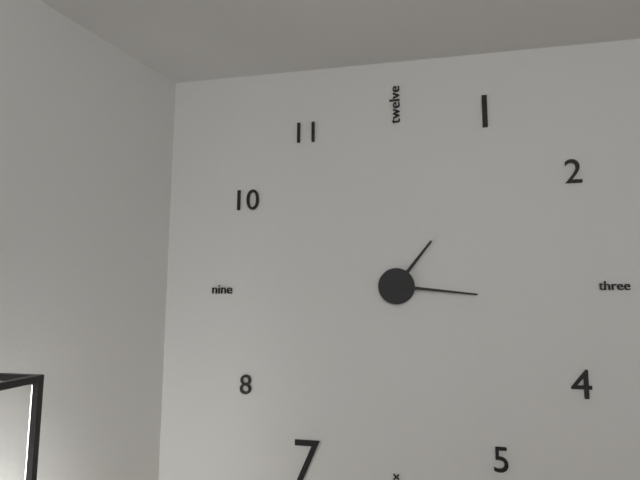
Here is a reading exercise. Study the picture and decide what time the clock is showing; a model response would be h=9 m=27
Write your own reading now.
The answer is h=1 m=16
